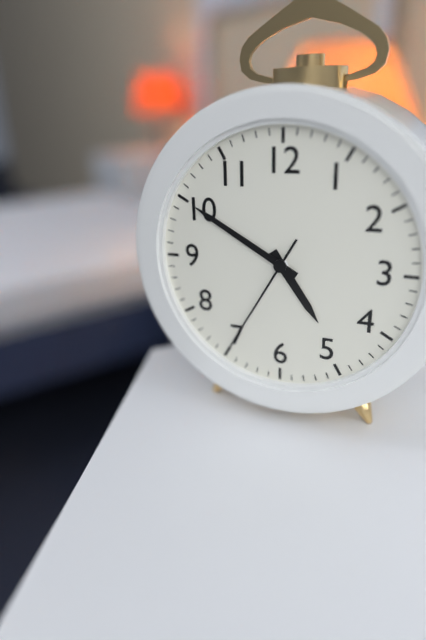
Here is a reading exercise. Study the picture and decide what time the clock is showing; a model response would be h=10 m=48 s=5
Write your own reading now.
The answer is h=4 m=50 s=35
